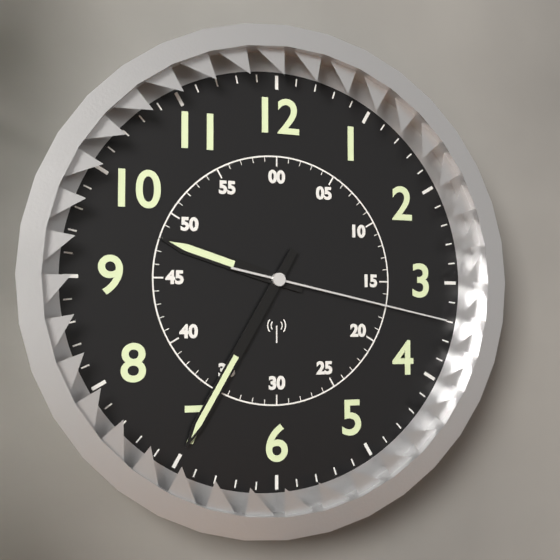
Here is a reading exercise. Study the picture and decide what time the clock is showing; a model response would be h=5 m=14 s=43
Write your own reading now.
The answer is h=9 m=35 s=17
